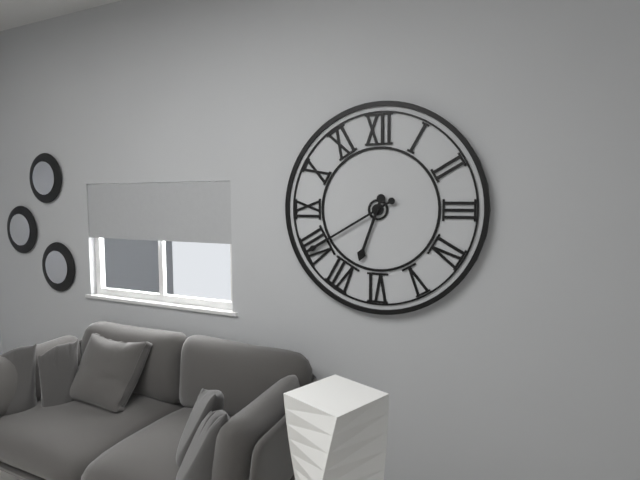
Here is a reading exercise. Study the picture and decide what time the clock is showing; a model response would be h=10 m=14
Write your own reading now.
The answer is h=6 m=40
